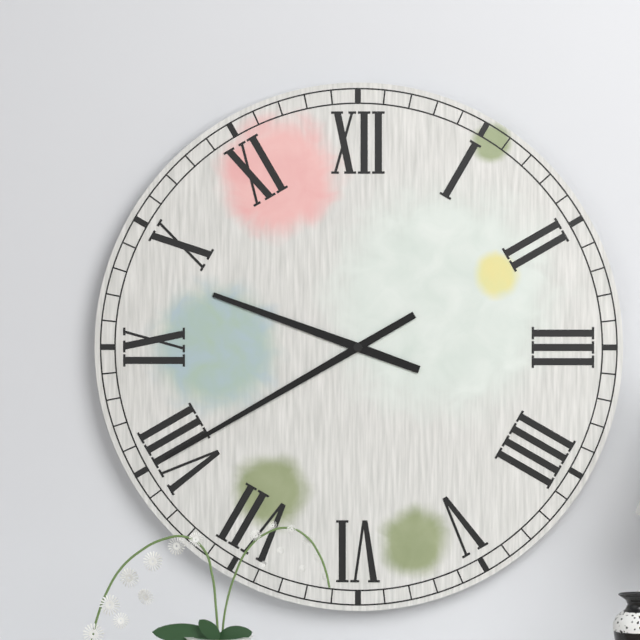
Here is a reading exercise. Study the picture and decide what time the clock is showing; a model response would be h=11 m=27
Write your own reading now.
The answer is h=9 m=40
